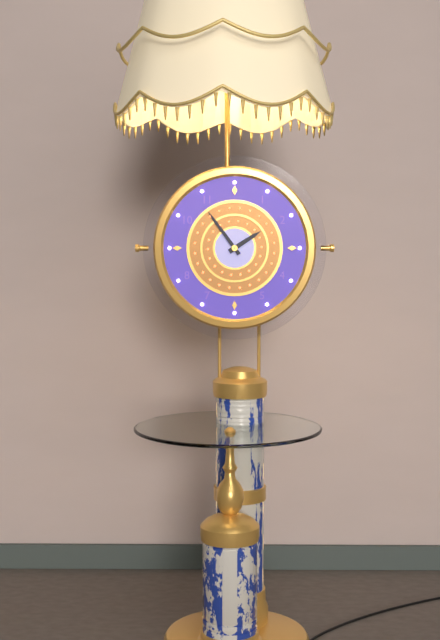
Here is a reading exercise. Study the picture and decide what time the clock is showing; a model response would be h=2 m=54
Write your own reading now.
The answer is h=1 m=54
